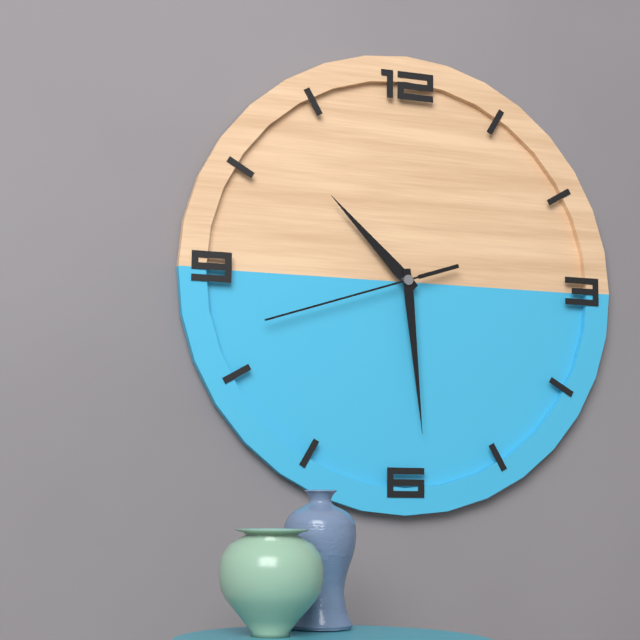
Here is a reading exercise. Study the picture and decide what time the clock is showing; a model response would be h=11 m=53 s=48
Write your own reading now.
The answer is h=10 m=29 s=42
